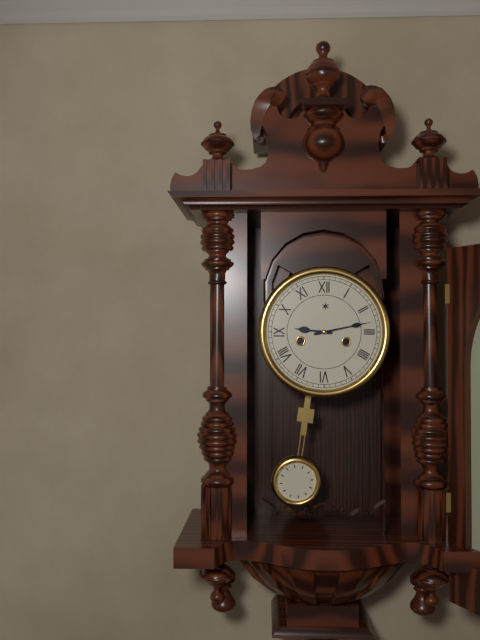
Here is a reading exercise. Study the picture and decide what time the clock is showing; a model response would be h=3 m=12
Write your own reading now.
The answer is h=9 m=13
